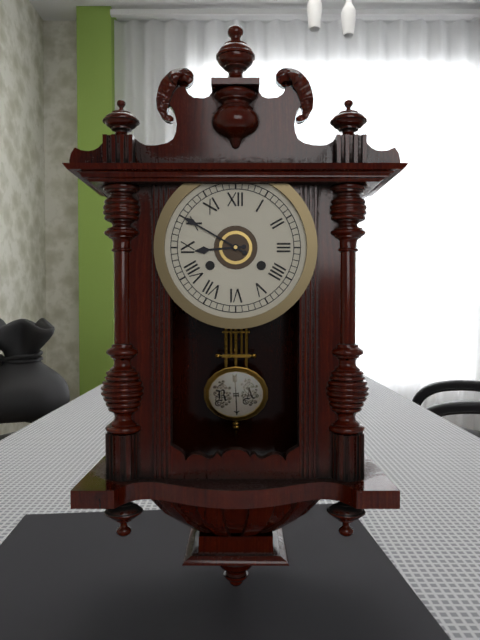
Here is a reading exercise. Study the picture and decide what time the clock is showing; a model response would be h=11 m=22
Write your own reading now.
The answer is h=8 m=50
